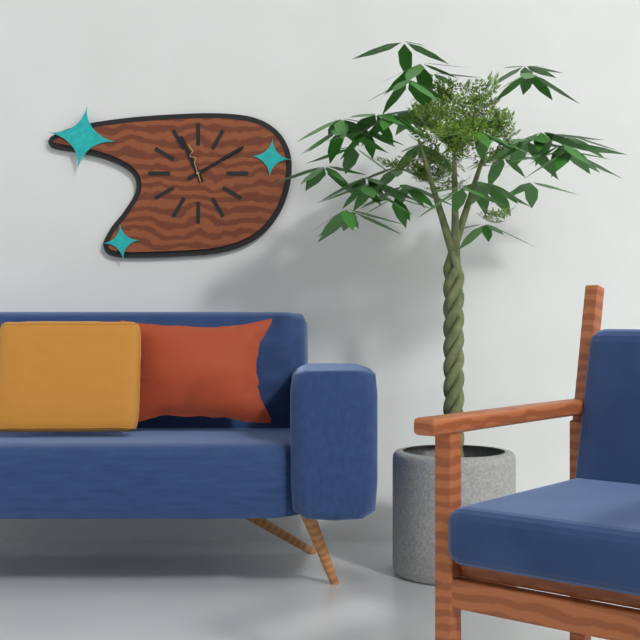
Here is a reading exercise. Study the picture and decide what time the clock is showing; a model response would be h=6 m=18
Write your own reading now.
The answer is h=11 m=10
